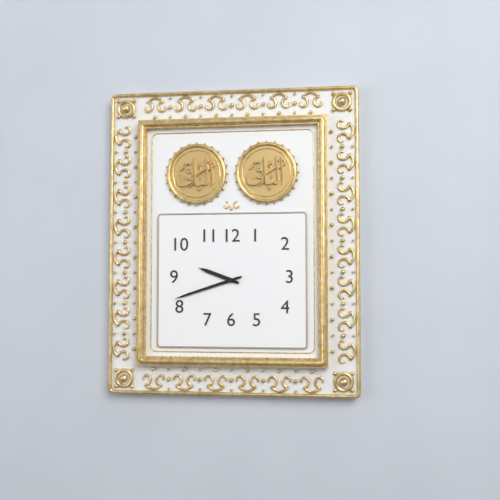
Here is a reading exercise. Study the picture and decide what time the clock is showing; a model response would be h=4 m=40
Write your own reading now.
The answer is h=9 m=42
